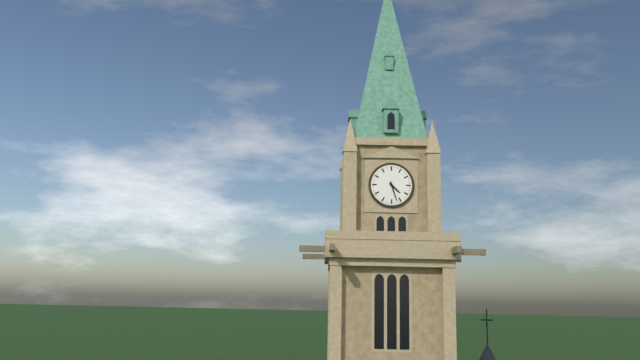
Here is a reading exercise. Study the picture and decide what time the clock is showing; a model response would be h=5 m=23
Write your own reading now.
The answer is h=4 m=27
